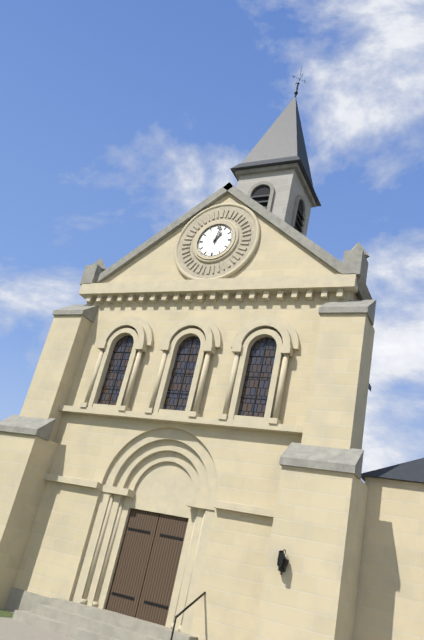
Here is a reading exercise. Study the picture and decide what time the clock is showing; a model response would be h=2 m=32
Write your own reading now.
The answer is h=1 m=2
